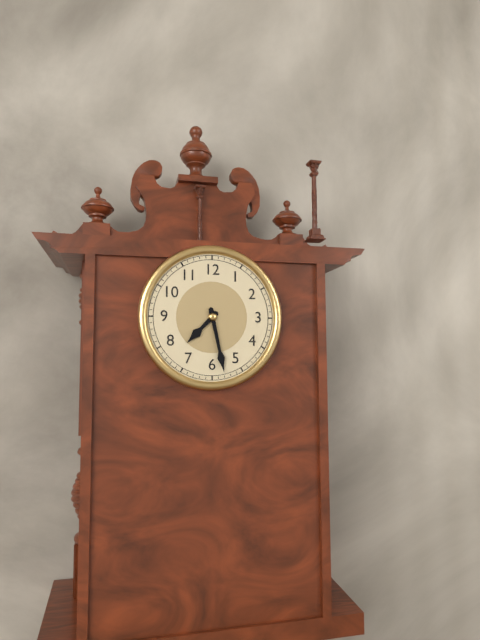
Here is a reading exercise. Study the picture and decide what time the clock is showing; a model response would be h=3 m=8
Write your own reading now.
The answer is h=7 m=28
